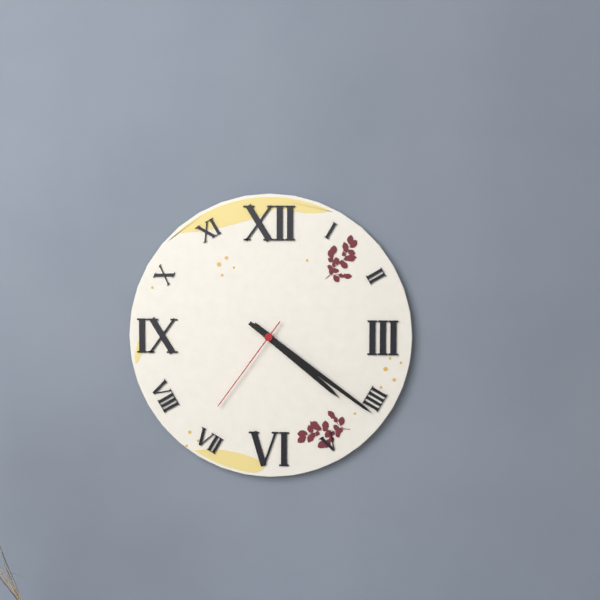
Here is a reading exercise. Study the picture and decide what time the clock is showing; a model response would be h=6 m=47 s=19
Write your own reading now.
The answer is h=4 m=21 s=36
